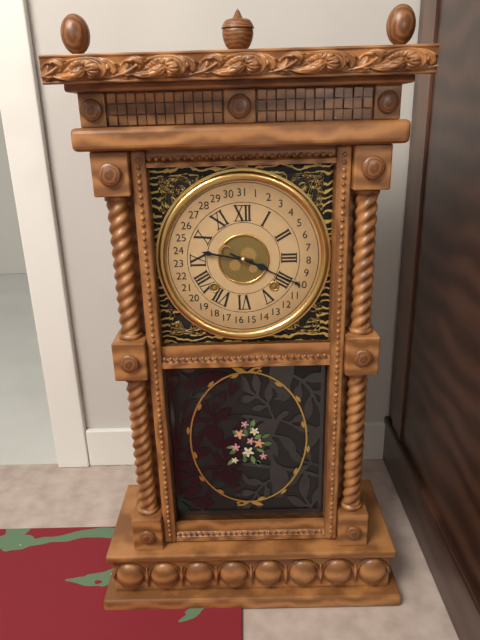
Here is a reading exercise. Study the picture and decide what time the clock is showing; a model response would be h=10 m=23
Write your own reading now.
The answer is h=3 m=47
